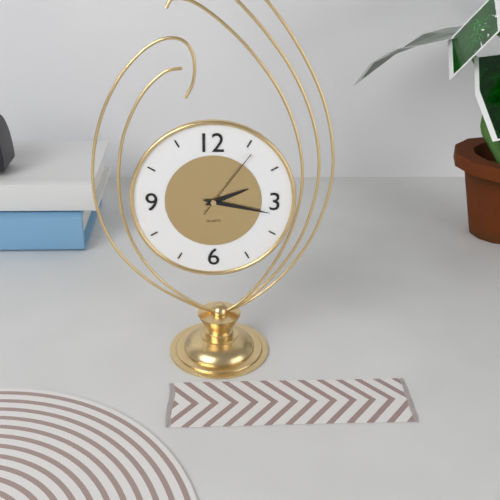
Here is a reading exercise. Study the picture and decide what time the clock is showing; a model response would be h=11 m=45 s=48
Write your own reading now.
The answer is h=2 m=17 s=6
